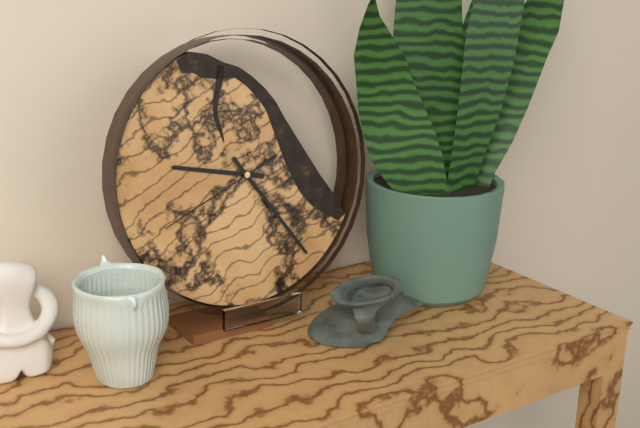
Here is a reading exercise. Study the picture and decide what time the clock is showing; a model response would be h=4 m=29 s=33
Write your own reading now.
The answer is h=9 m=24 s=41
